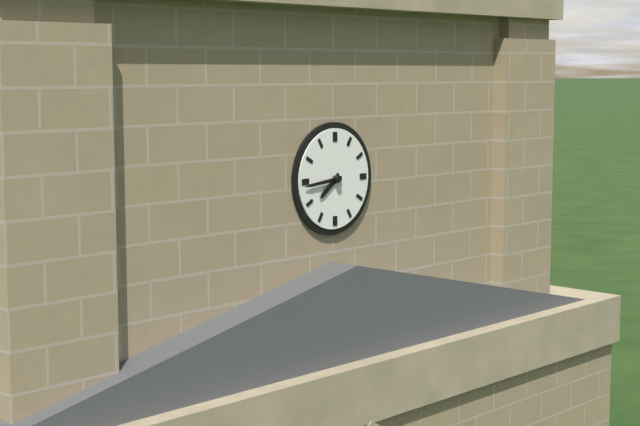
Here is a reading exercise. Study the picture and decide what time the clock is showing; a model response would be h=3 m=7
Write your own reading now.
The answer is h=7 m=44
